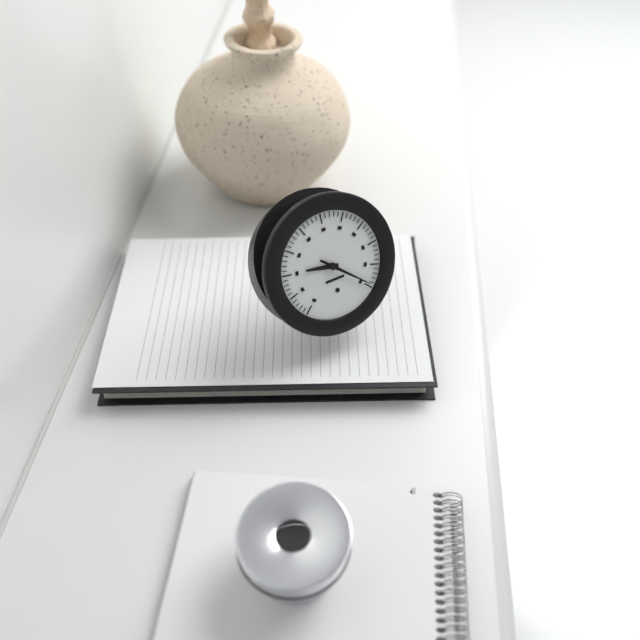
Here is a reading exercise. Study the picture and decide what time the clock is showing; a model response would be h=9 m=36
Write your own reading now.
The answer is h=9 m=22
